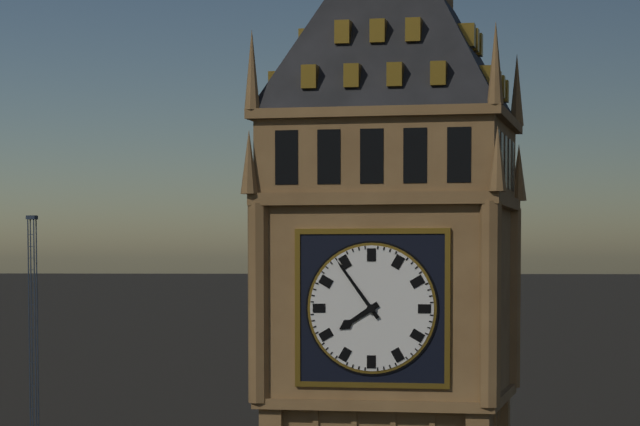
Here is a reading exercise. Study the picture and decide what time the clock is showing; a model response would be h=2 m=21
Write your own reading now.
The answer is h=7 m=54
